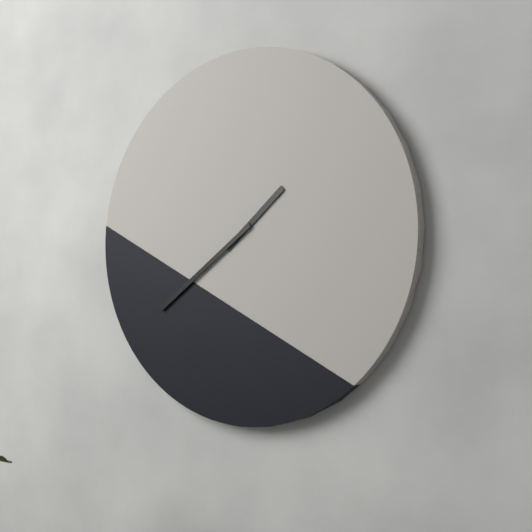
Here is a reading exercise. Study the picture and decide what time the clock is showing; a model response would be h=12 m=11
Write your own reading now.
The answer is h=1 m=39
